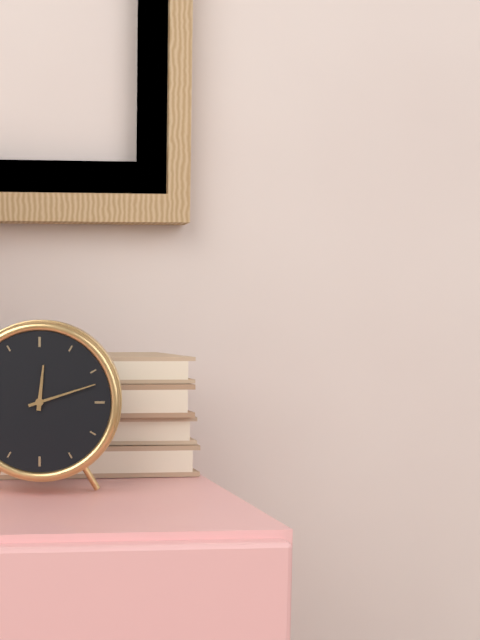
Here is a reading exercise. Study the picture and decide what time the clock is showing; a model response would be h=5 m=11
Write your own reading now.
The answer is h=12 m=12
